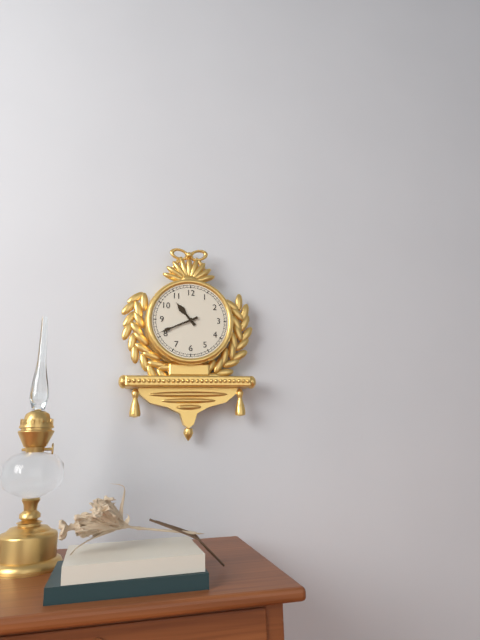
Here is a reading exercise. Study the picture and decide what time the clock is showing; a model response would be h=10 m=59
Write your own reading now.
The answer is h=10 m=41
